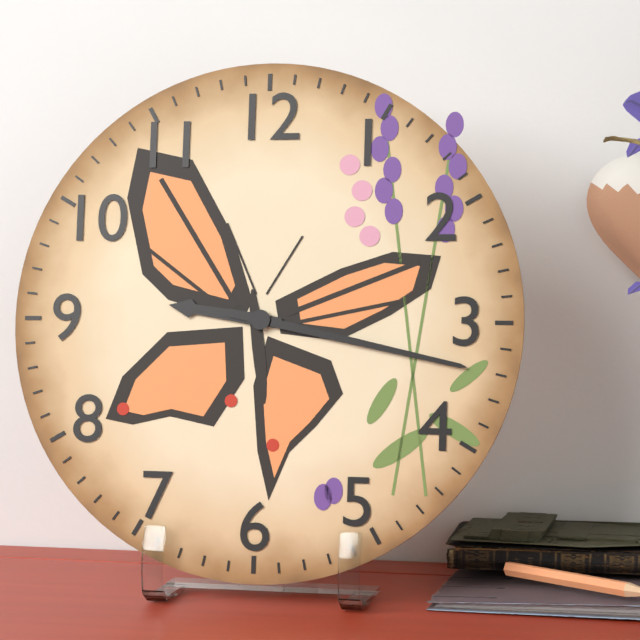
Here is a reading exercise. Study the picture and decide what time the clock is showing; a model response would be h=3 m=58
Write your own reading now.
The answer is h=9 m=17
